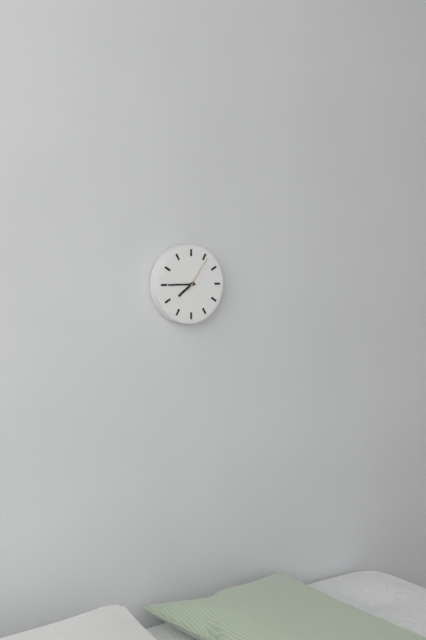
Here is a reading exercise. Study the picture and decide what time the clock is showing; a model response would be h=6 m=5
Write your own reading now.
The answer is h=7 m=45
